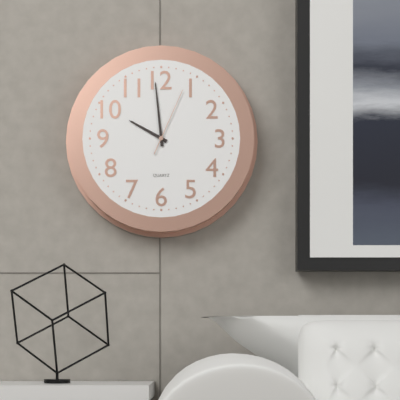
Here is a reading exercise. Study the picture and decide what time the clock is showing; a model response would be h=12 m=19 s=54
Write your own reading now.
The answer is h=9 m=59 s=4
